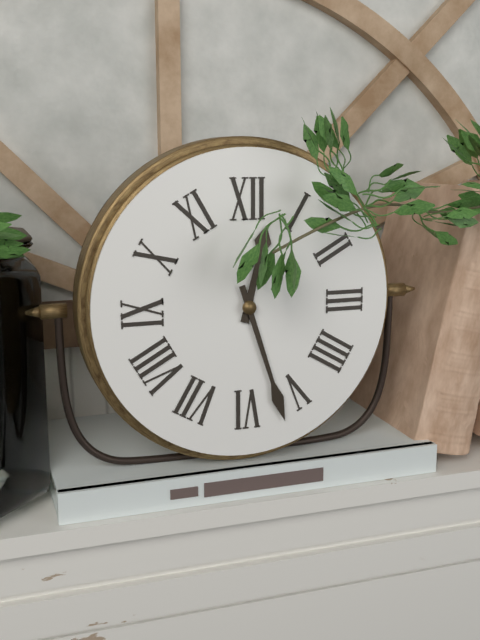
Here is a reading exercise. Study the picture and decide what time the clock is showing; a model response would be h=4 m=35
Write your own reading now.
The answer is h=12 m=27
